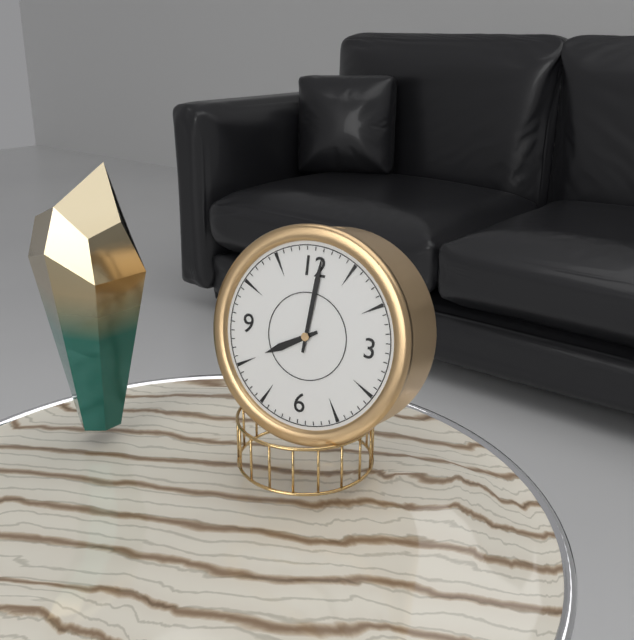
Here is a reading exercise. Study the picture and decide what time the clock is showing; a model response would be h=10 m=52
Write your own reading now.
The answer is h=8 m=1
